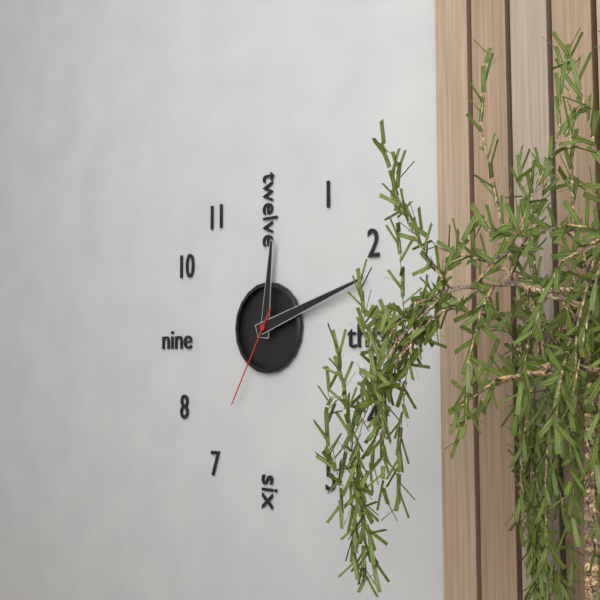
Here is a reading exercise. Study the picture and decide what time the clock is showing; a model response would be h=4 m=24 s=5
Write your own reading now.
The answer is h=12 m=12 s=35
